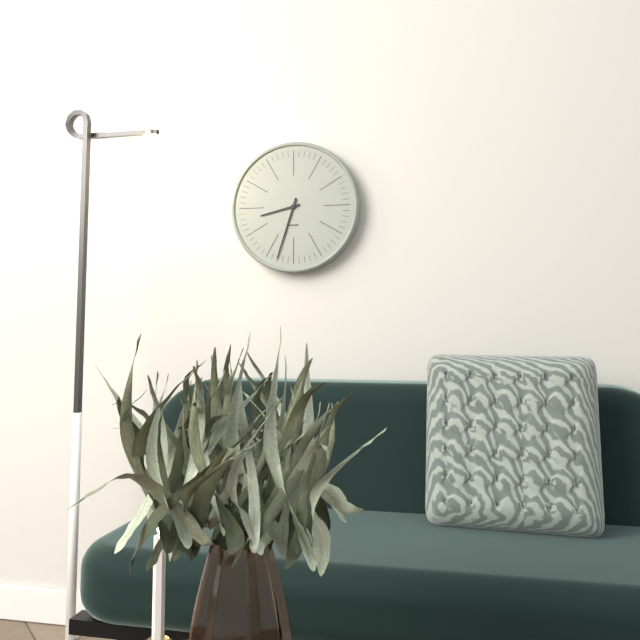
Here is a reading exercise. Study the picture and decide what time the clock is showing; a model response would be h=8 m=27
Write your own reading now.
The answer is h=8 m=33
